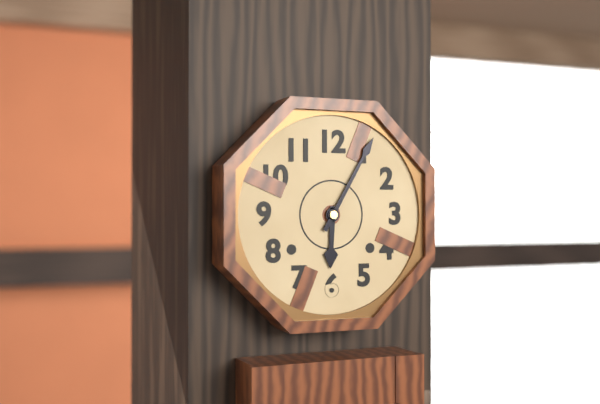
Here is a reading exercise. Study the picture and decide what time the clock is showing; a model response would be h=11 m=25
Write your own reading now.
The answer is h=6 m=5
